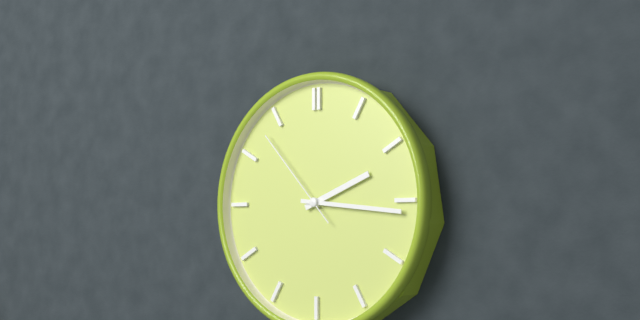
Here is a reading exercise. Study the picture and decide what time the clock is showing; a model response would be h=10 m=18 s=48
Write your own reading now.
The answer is h=2 m=16 s=53
